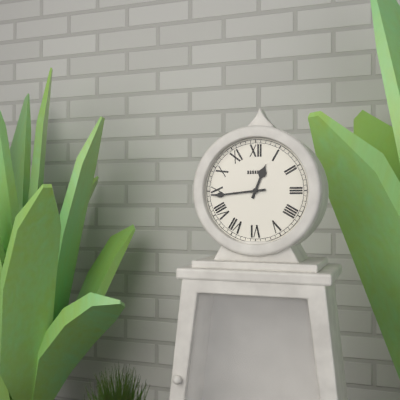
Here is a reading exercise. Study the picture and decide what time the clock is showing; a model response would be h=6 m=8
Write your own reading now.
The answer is h=12 m=44
